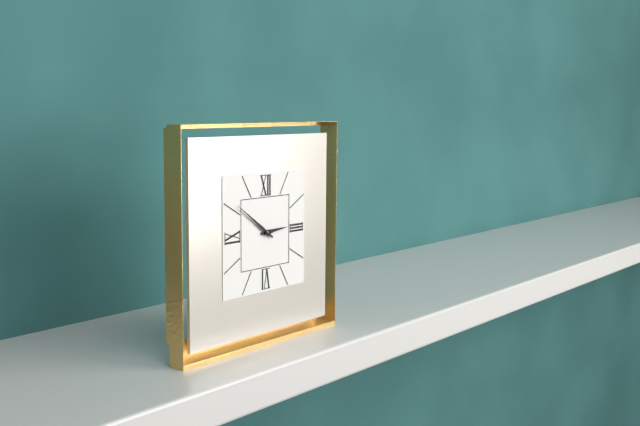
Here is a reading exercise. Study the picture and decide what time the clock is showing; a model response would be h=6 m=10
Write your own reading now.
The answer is h=2 m=51
